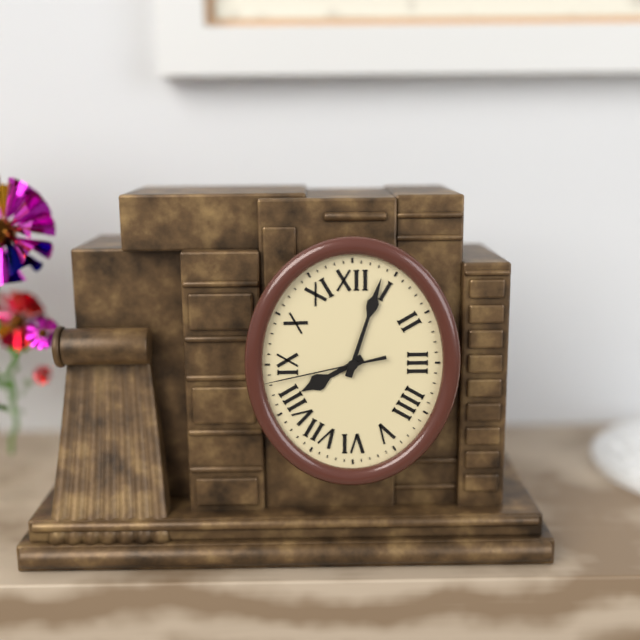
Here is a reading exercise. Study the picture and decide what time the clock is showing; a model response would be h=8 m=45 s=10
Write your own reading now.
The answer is h=8 m=3 s=43
